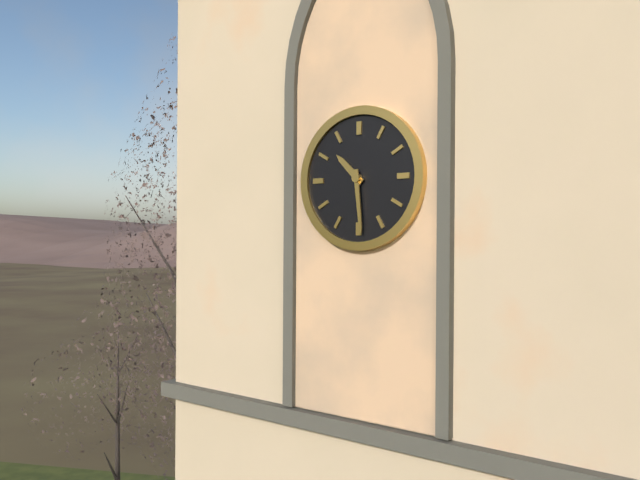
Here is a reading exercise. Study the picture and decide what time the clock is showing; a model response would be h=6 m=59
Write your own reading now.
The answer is h=10 m=29
